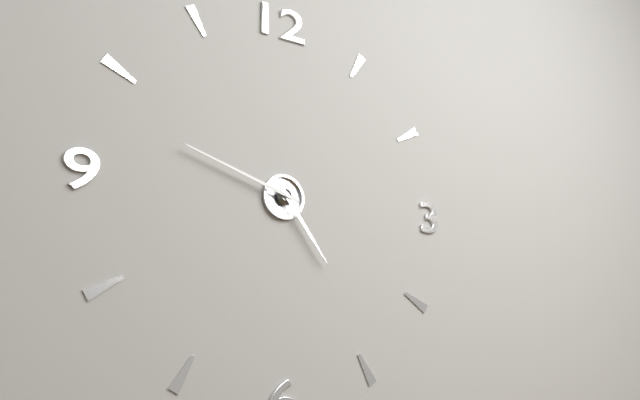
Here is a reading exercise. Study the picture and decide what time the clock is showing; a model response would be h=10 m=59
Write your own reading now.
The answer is h=4 m=48
